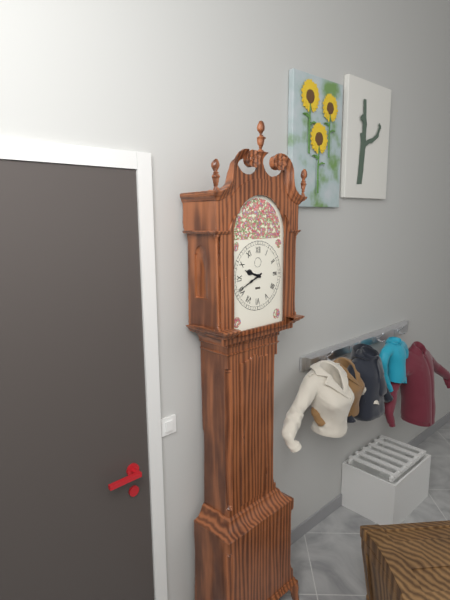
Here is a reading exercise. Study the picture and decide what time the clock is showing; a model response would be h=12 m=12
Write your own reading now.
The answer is h=9 m=41
